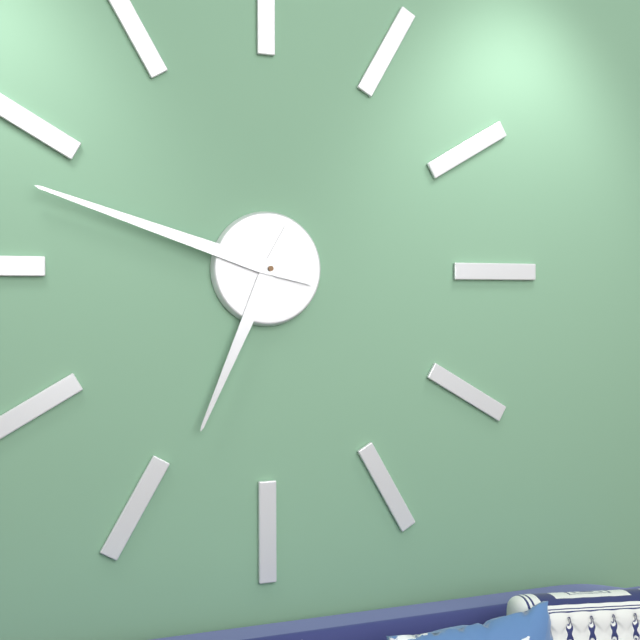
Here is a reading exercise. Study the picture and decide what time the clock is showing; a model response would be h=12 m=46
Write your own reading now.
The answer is h=6 m=48
